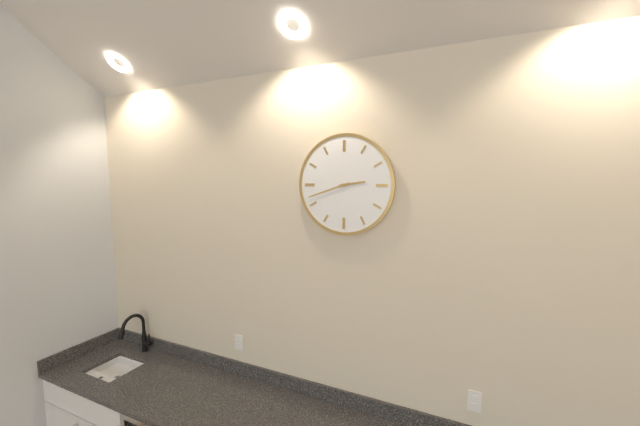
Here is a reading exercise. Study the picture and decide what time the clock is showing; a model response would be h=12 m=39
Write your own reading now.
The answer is h=2 m=42
